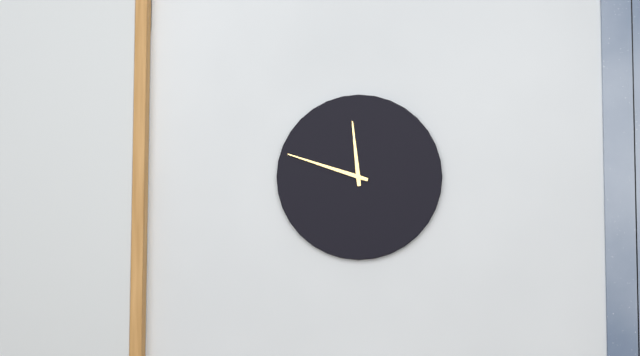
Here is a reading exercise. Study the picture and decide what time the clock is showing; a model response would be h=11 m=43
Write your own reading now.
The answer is h=11 m=48
